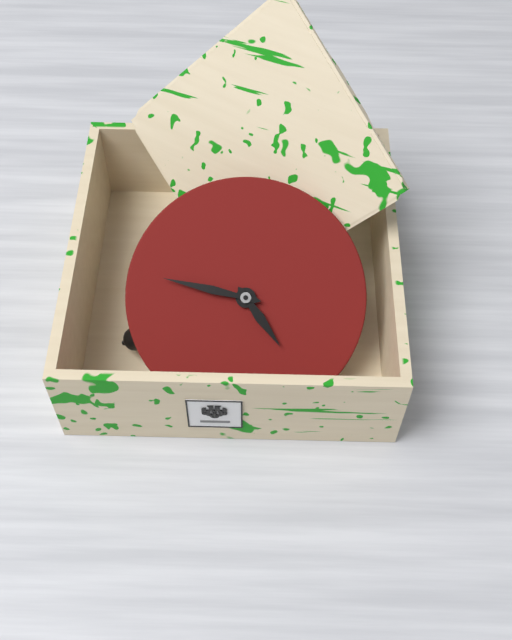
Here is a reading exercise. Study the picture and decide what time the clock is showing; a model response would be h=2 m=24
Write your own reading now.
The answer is h=4 m=47
